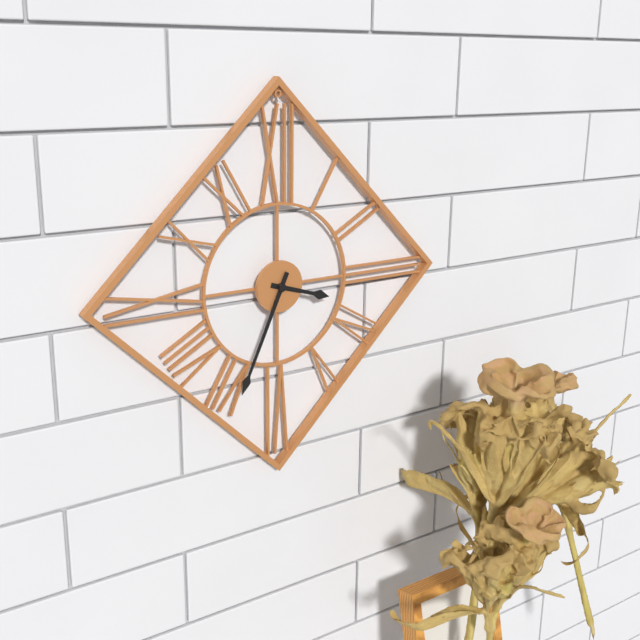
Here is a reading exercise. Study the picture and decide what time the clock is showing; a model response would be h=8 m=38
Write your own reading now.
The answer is h=3 m=34
